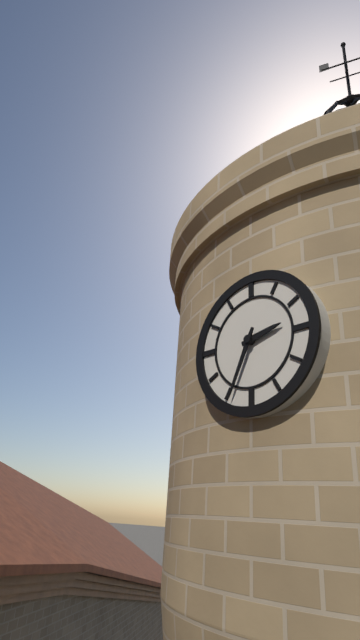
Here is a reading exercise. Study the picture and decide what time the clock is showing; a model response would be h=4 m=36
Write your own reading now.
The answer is h=2 m=34
